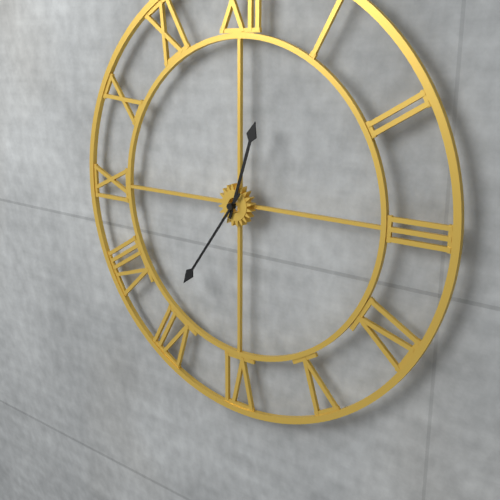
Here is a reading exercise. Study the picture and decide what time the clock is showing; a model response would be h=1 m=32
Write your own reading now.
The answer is h=12 m=36
